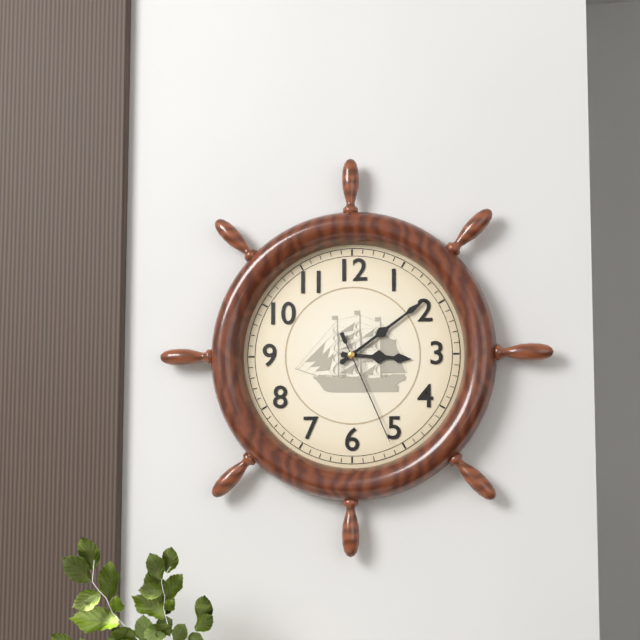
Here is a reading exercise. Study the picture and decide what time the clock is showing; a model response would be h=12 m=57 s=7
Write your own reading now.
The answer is h=3 m=9 s=26
